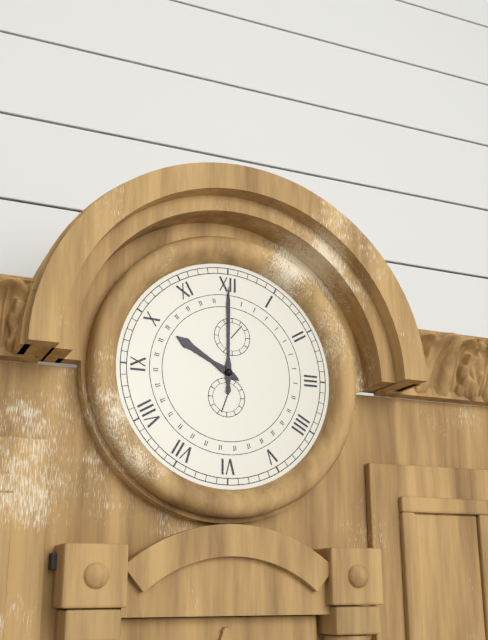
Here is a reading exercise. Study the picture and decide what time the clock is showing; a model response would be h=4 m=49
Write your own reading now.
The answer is h=10 m=0
